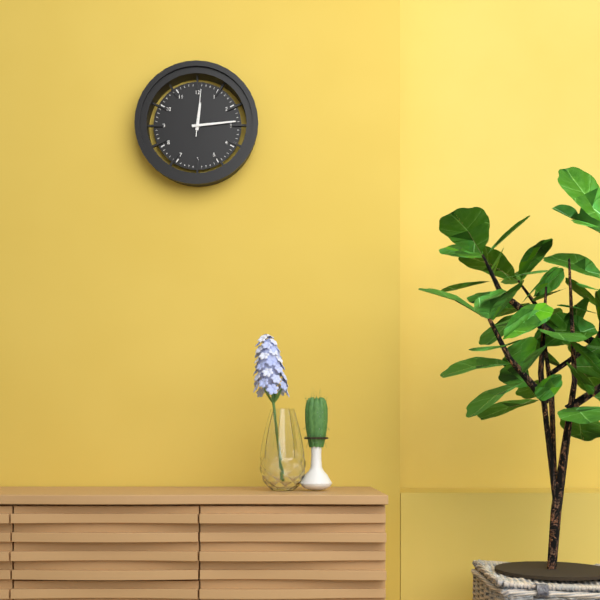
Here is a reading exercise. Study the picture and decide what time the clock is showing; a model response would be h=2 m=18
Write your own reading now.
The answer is h=12 m=14
